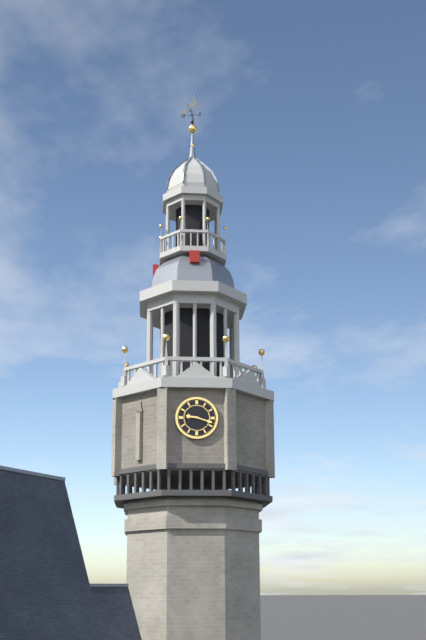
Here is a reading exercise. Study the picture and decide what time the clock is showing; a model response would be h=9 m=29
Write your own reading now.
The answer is h=9 m=18
